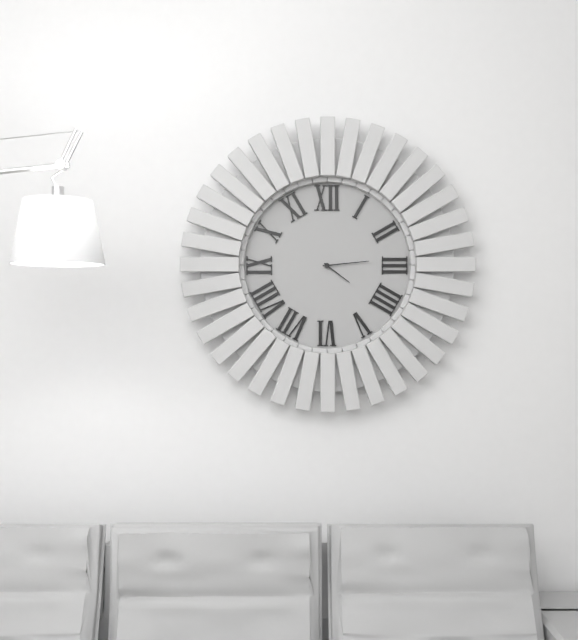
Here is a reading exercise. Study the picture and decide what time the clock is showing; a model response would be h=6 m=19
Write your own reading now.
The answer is h=4 m=14
